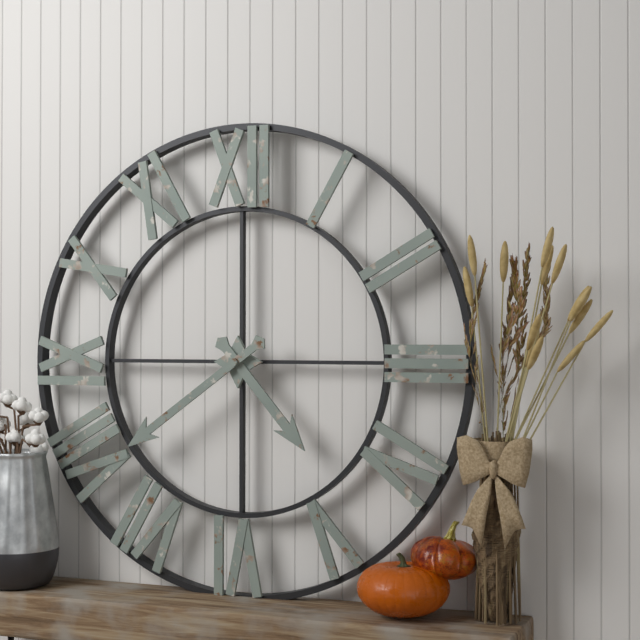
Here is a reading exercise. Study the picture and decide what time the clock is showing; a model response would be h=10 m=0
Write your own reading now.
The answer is h=4 m=39
